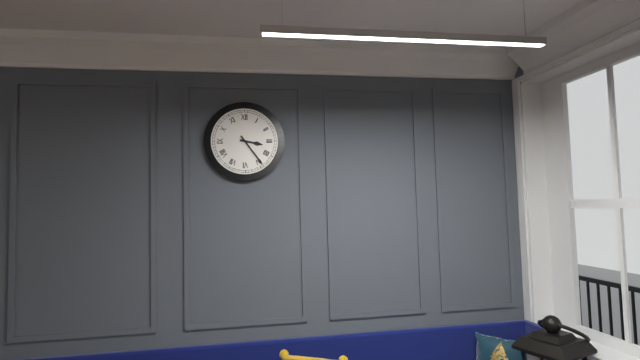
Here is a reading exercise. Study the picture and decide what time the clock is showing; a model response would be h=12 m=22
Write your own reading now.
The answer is h=3 m=24
